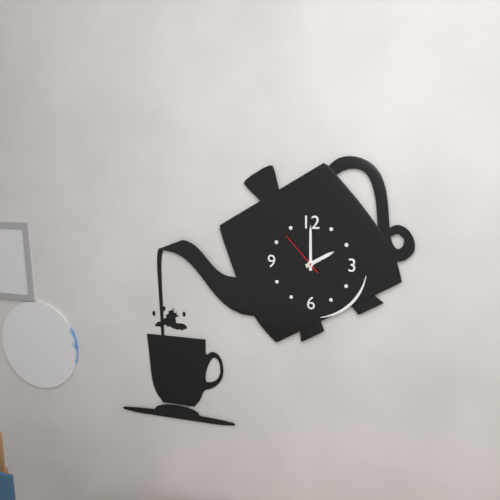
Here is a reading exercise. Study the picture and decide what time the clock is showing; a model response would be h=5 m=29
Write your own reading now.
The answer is h=2 m=0
